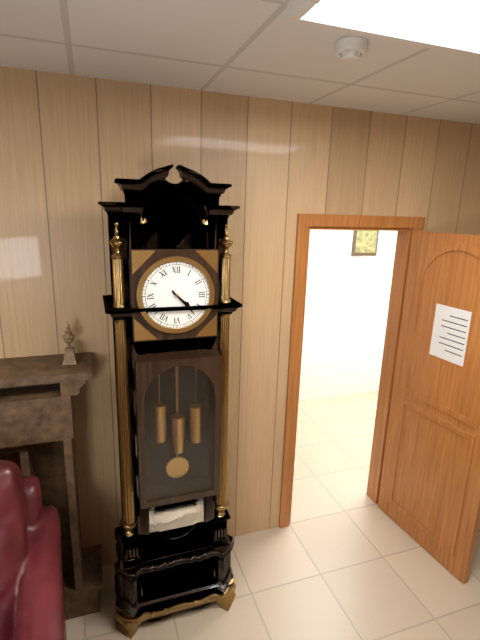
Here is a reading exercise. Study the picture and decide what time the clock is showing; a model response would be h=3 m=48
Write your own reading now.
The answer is h=4 m=23
